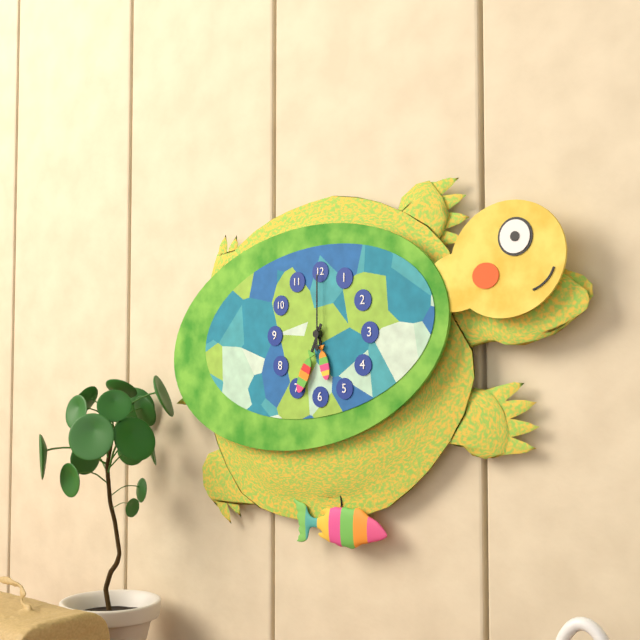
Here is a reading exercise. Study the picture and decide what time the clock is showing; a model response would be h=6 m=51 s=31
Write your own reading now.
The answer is h=5 m=34 s=0
